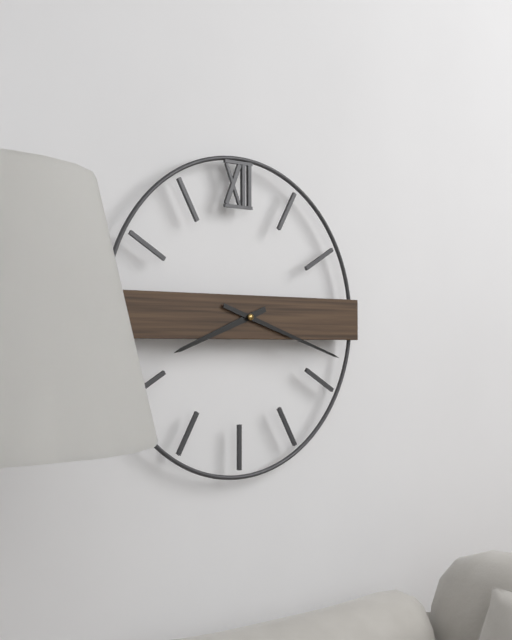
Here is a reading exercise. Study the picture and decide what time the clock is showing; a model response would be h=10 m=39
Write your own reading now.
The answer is h=8 m=18
